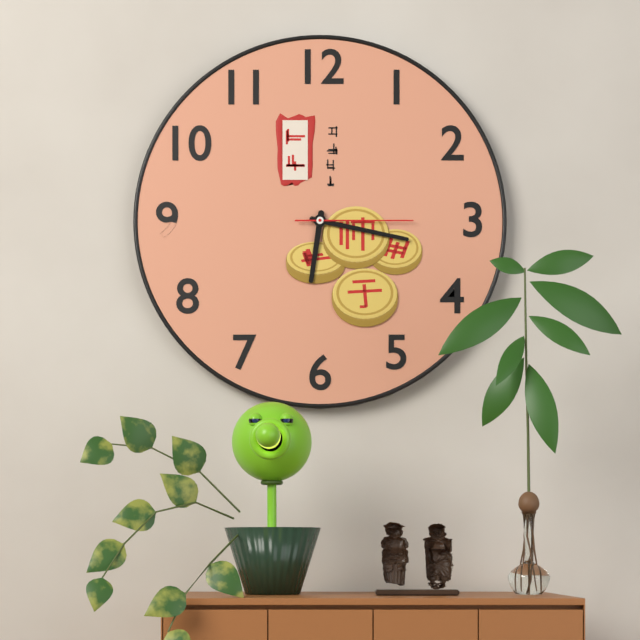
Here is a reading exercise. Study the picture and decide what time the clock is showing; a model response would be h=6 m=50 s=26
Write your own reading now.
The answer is h=6 m=17 s=15
